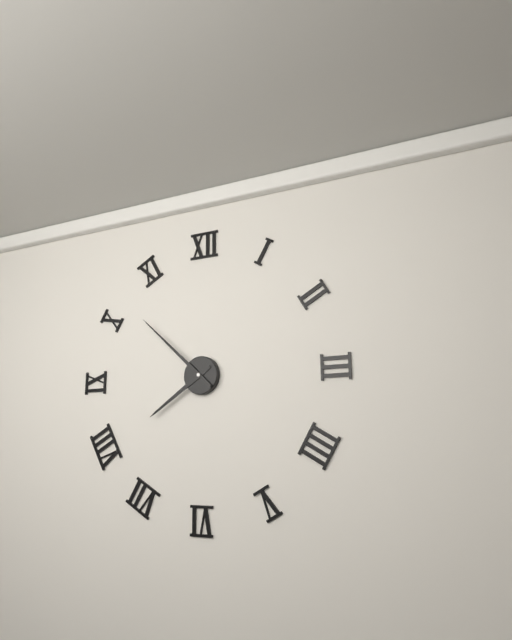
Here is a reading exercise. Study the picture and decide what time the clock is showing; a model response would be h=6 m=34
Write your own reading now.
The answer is h=7 m=52
